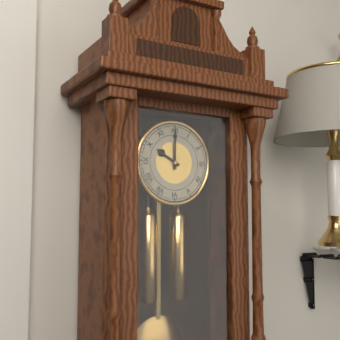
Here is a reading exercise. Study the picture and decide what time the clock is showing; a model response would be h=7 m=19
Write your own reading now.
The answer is h=10 m=0
